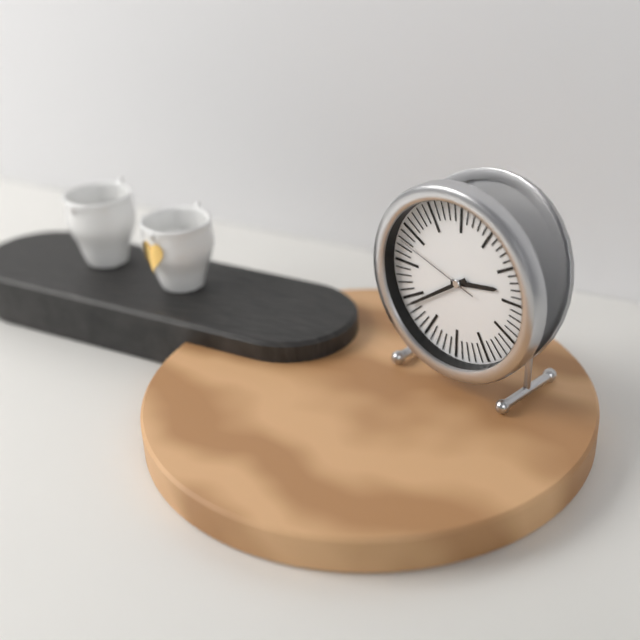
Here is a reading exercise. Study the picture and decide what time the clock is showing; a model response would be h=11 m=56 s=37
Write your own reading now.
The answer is h=2 m=39 s=48
